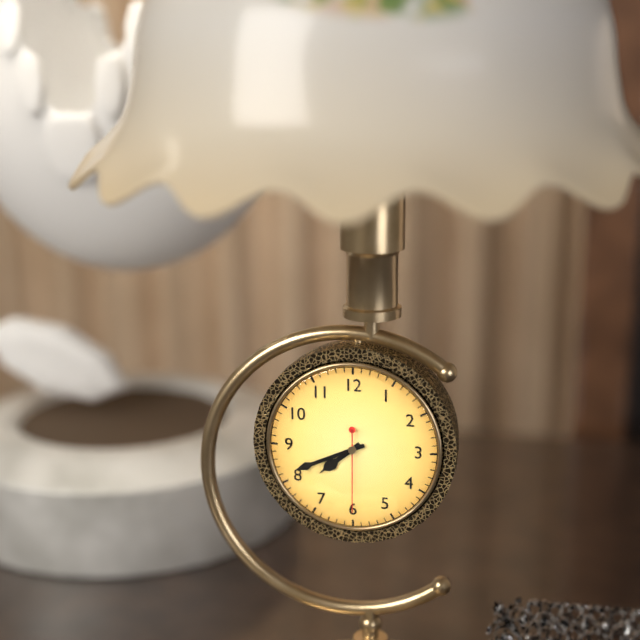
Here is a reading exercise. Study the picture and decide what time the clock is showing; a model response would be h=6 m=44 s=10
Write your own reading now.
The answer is h=7 m=41 s=30
